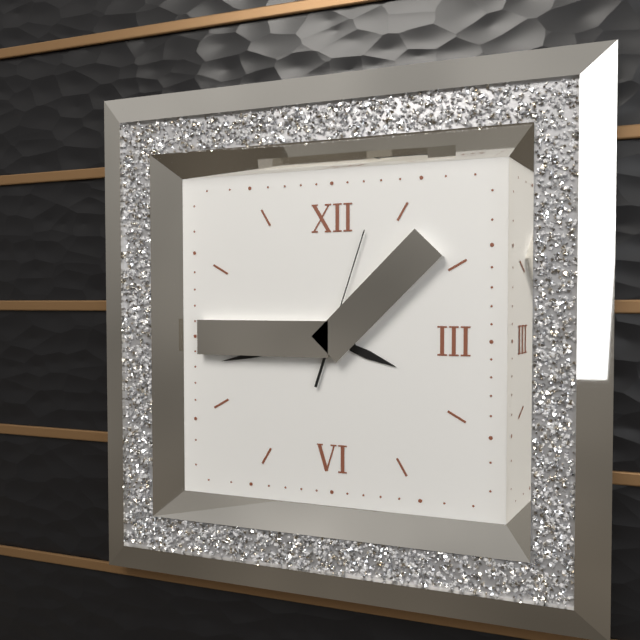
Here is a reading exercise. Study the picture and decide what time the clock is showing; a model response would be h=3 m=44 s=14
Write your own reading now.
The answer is h=3 m=43 s=3
